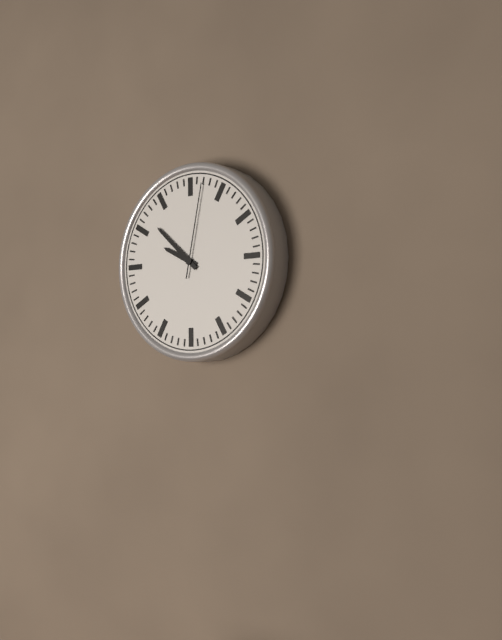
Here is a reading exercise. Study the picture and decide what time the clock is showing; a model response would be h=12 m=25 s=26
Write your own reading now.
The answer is h=9 m=52 s=2
